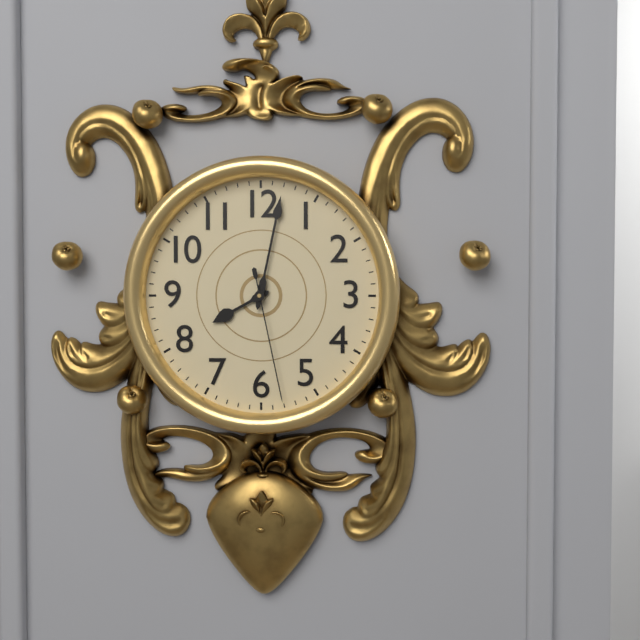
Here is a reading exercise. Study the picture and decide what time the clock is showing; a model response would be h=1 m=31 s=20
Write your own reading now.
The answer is h=8 m=2 s=28
